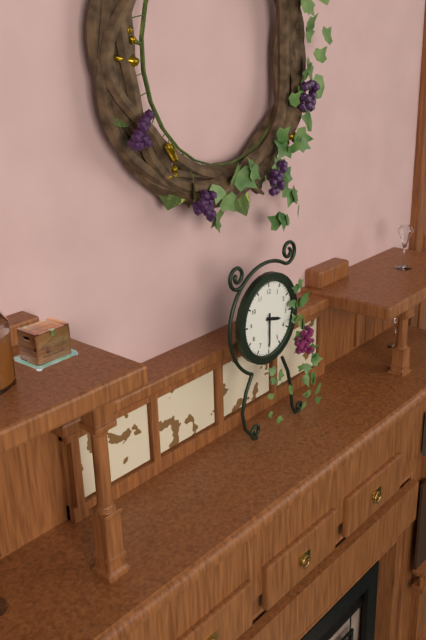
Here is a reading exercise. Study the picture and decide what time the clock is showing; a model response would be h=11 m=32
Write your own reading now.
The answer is h=3 m=30
